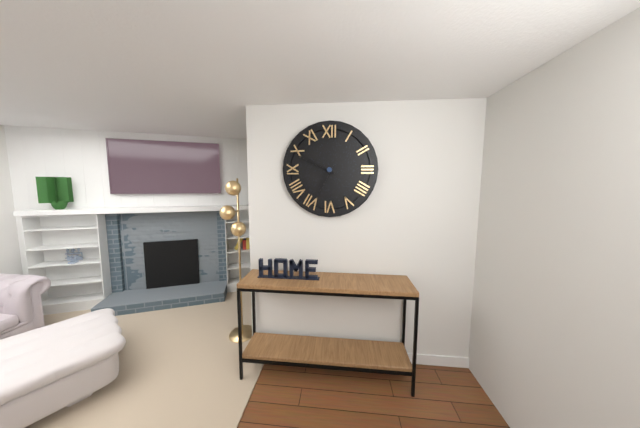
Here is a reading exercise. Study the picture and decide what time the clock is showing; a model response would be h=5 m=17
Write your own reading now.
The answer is h=6 m=49
